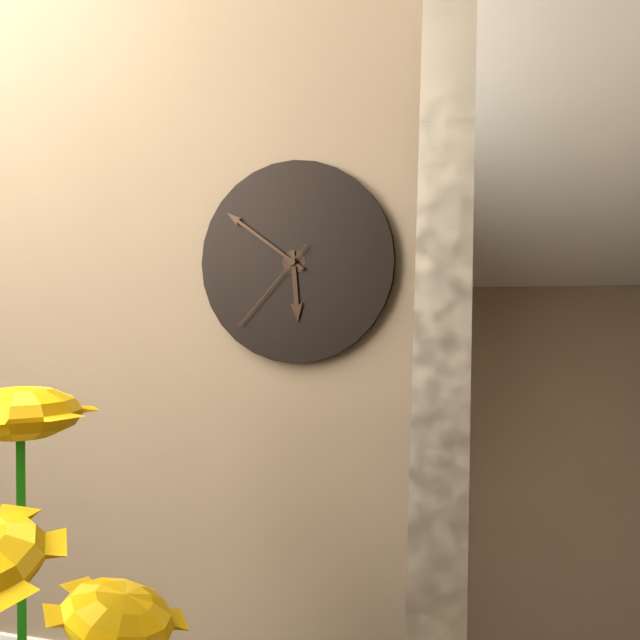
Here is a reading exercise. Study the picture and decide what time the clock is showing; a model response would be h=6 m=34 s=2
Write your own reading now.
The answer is h=5 m=51 s=37
